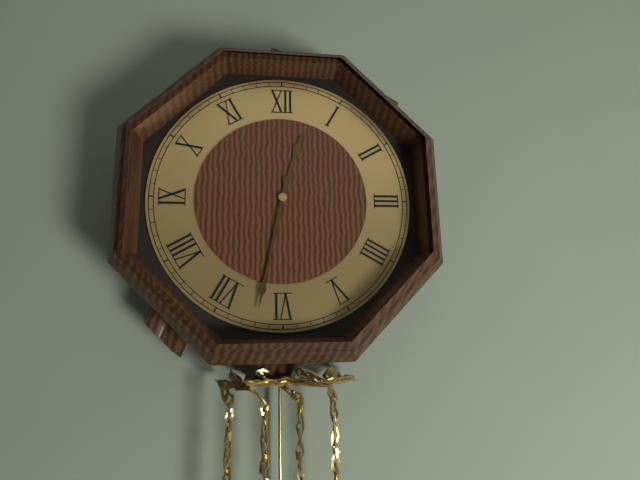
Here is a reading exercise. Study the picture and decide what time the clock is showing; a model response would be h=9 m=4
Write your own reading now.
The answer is h=12 m=32
